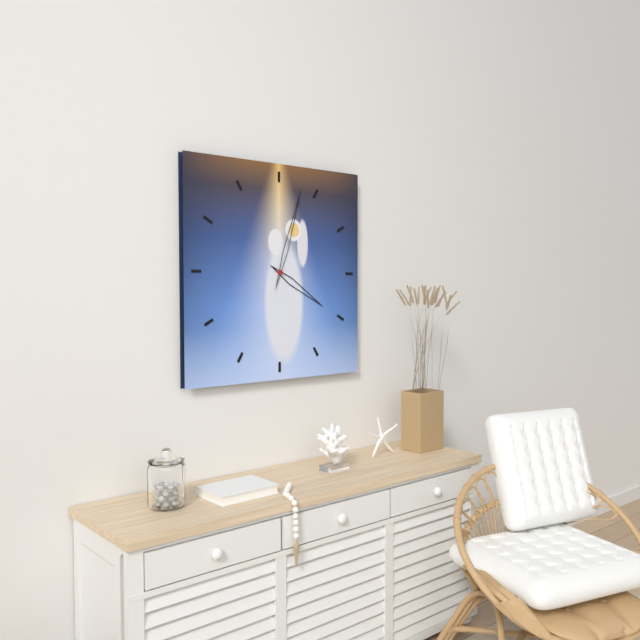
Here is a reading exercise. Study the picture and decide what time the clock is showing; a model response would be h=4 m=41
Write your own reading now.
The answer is h=4 m=3
